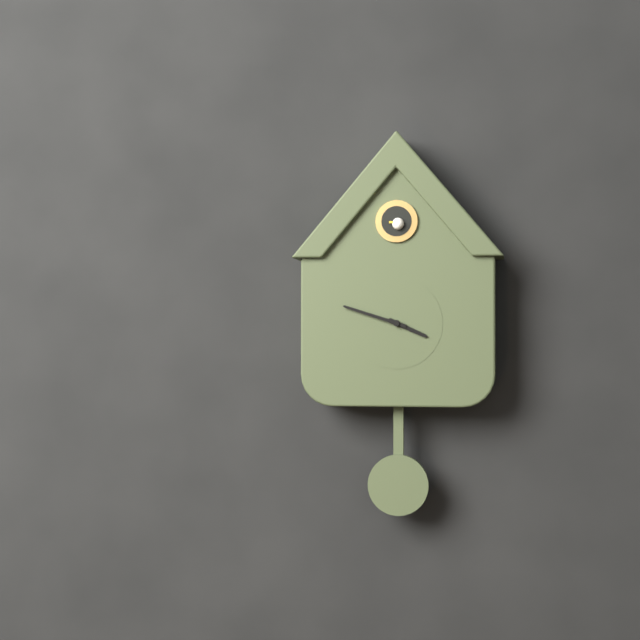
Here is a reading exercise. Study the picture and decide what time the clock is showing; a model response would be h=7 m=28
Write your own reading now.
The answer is h=3 m=48
